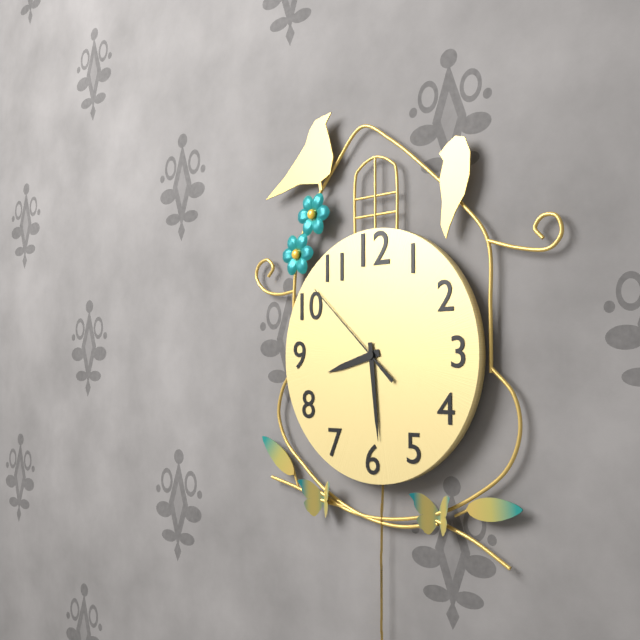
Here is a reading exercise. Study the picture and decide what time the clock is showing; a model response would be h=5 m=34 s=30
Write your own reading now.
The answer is h=8 m=29 s=52
